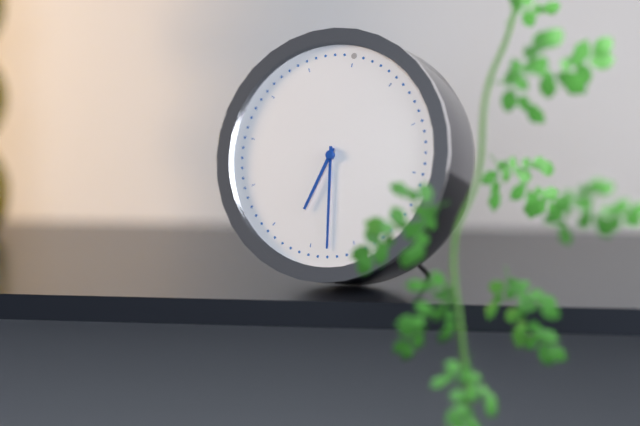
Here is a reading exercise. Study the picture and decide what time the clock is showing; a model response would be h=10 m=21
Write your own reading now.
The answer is h=6 m=28
